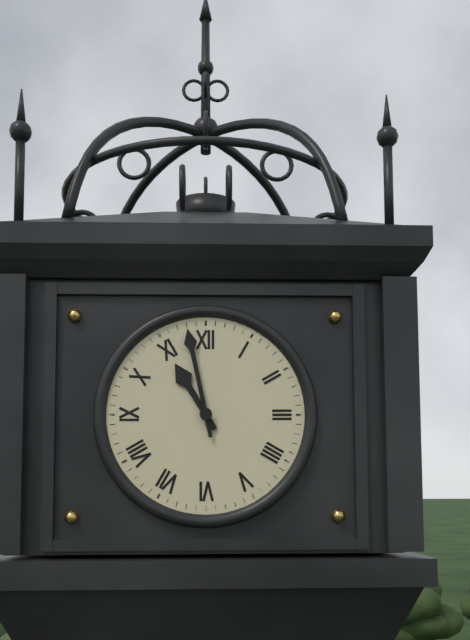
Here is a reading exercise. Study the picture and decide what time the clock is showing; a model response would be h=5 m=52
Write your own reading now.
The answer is h=10 m=58
